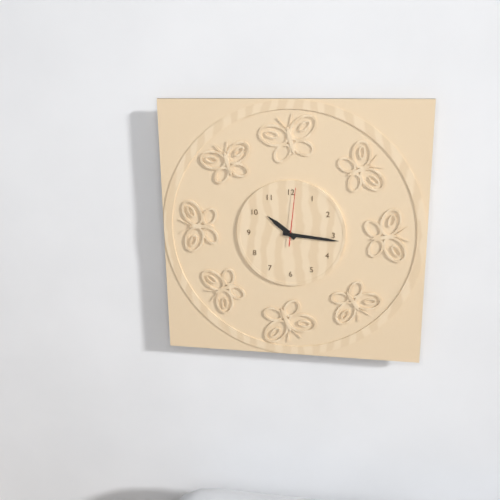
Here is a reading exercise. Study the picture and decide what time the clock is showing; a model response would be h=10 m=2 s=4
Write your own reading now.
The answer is h=10 m=16 s=1
